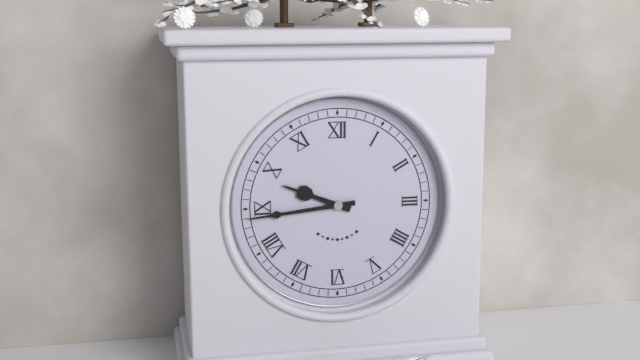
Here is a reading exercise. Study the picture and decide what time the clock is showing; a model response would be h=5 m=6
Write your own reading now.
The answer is h=9 m=44
